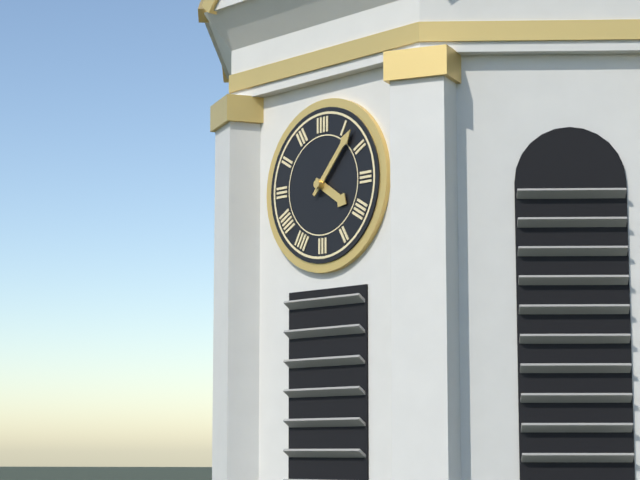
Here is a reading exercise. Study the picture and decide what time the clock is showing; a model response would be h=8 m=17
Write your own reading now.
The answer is h=4 m=7
